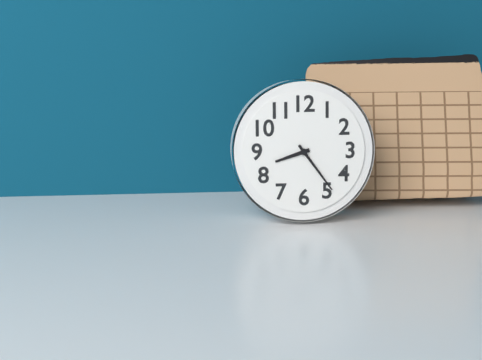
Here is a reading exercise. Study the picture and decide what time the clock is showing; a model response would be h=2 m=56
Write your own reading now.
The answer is h=8 m=24
